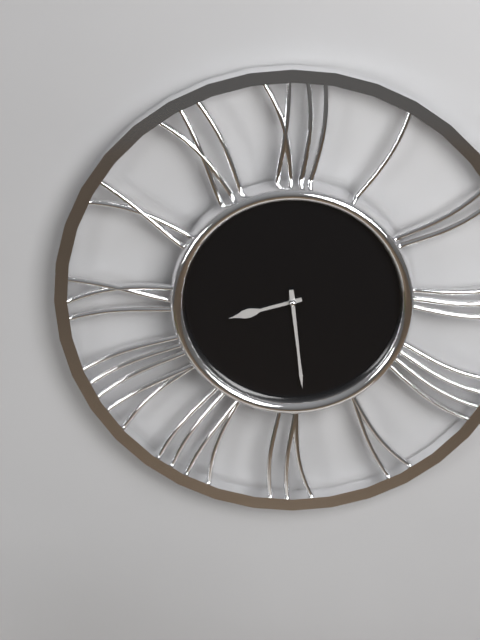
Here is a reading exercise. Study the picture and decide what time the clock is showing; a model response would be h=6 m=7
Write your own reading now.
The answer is h=8 m=29
